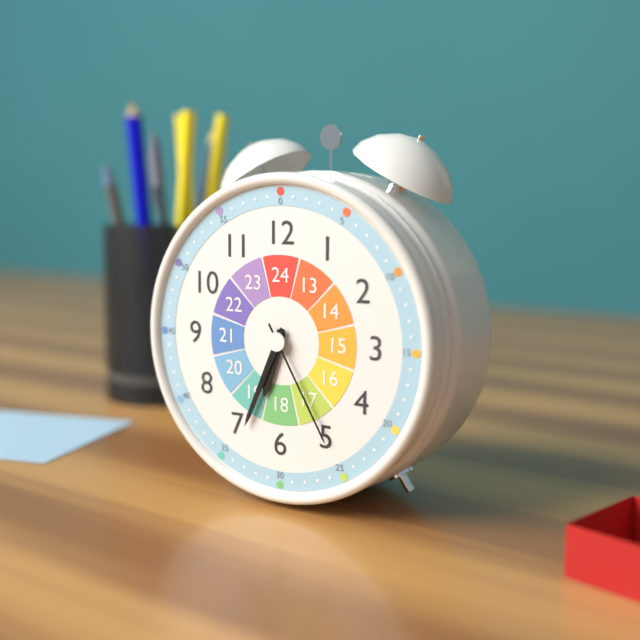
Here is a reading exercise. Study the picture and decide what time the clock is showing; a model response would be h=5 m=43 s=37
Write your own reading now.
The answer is h=6 m=34 s=25
